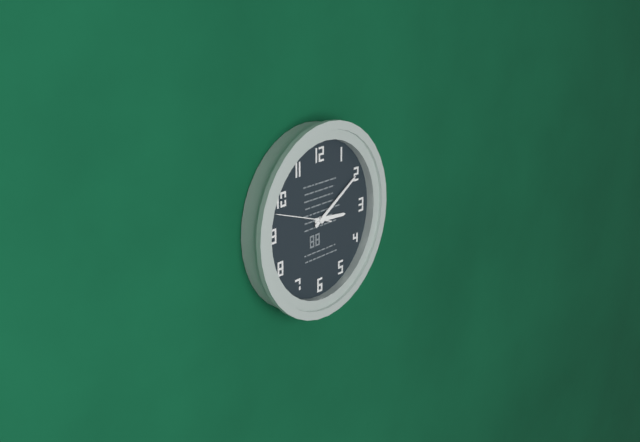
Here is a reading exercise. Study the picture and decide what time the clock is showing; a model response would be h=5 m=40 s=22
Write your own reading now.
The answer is h=3 m=10 s=48
